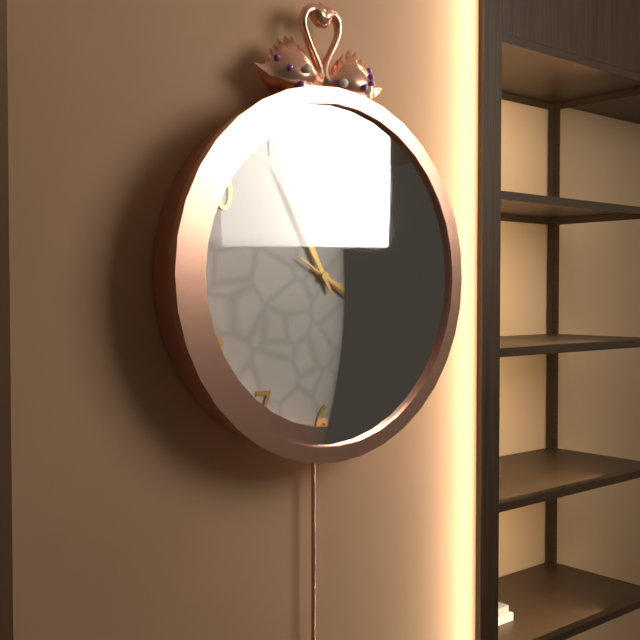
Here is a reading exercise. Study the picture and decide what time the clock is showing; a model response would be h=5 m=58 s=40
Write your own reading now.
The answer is h=3 m=55 s=20
